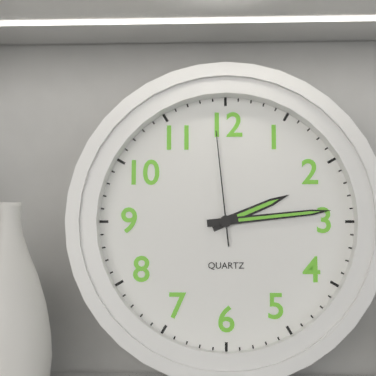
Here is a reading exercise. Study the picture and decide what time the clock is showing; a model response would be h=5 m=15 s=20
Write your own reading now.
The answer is h=2 m=14 s=59
